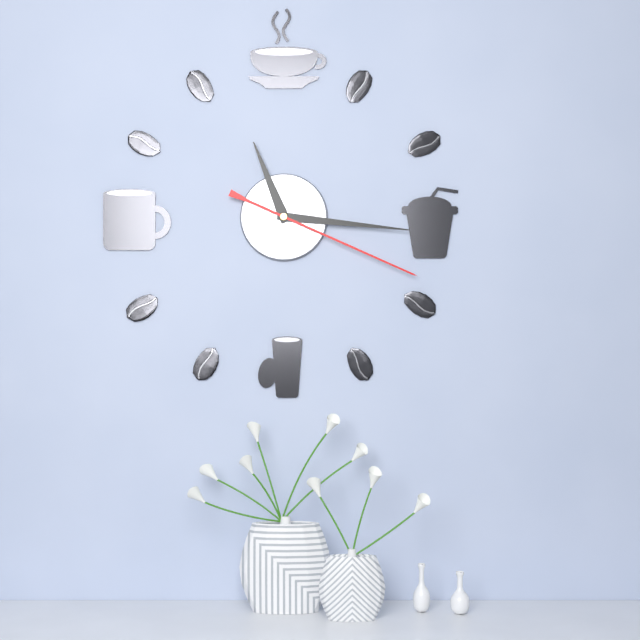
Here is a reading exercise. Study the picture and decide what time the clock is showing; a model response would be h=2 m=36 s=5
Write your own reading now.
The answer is h=11 m=16 s=19
